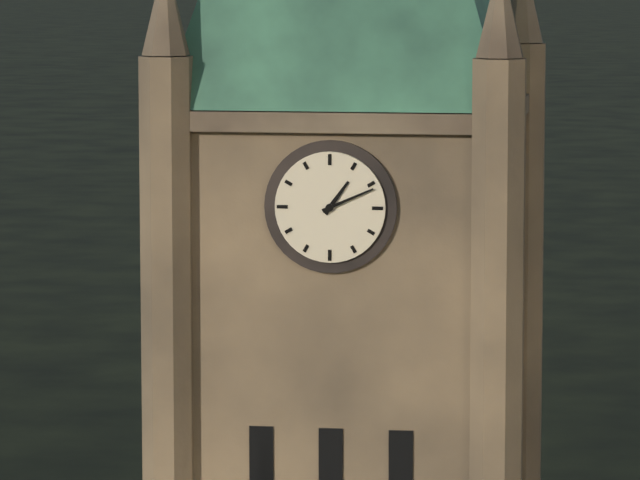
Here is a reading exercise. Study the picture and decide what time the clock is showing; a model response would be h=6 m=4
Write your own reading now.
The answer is h=1 m=11
